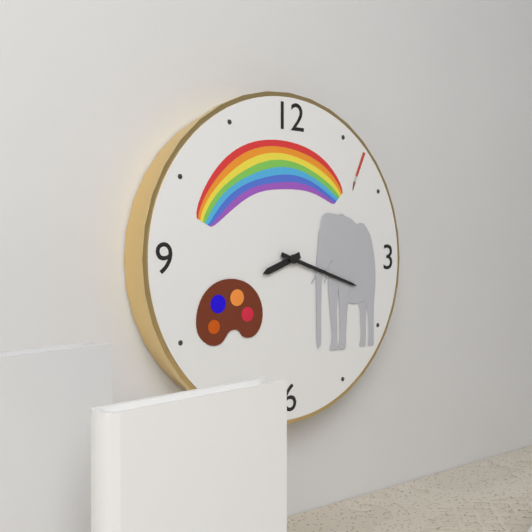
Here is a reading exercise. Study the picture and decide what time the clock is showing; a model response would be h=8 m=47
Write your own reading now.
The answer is h=8 m=18
